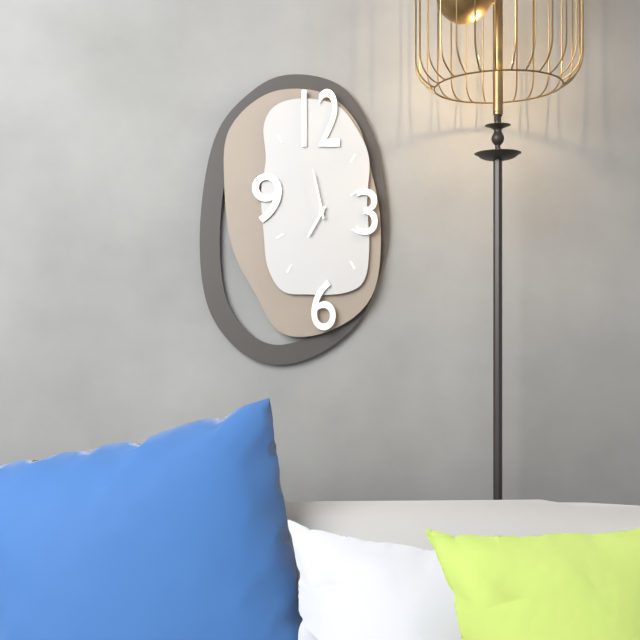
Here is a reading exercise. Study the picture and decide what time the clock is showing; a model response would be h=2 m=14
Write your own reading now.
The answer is h=6 m=58
